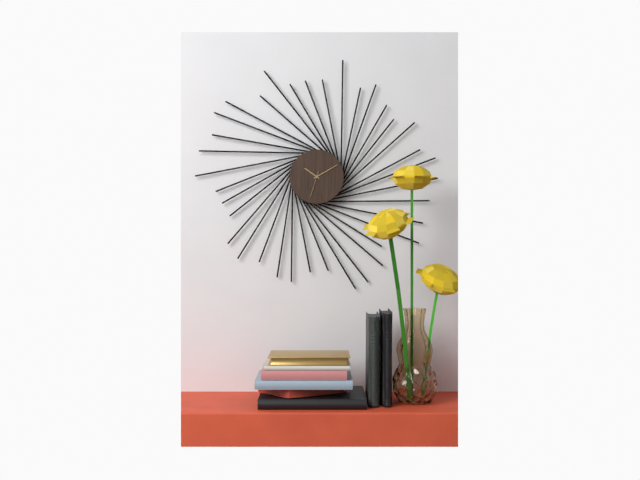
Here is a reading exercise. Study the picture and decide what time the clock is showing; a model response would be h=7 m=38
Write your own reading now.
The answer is h=10 m=10
